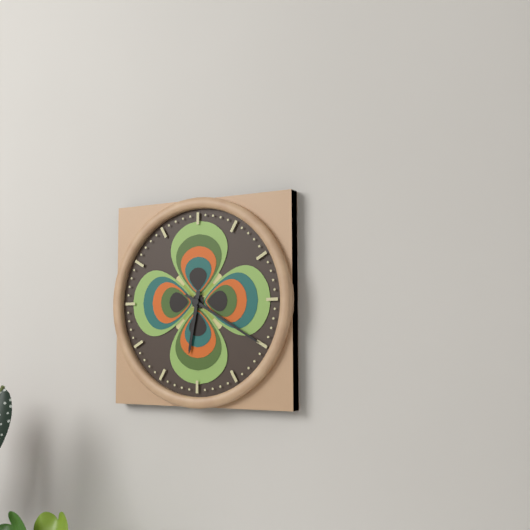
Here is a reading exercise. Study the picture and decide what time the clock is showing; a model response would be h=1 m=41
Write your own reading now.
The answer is h=6 m=20
